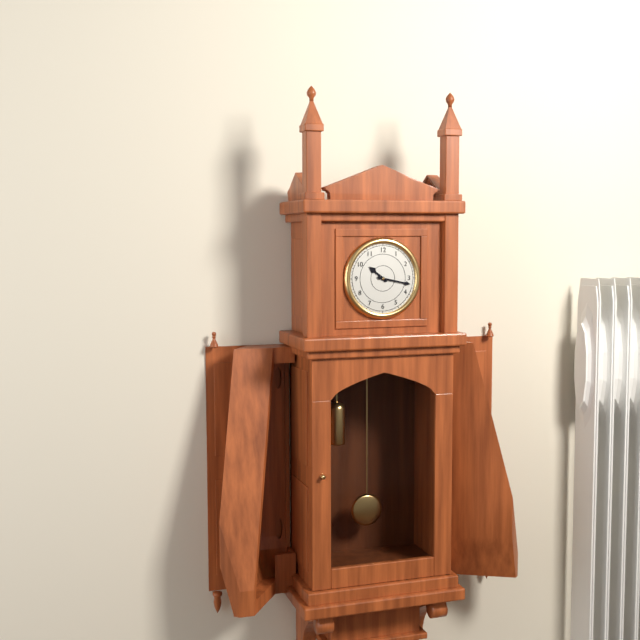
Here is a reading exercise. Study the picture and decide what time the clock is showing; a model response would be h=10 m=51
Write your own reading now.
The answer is h=10 m=17
